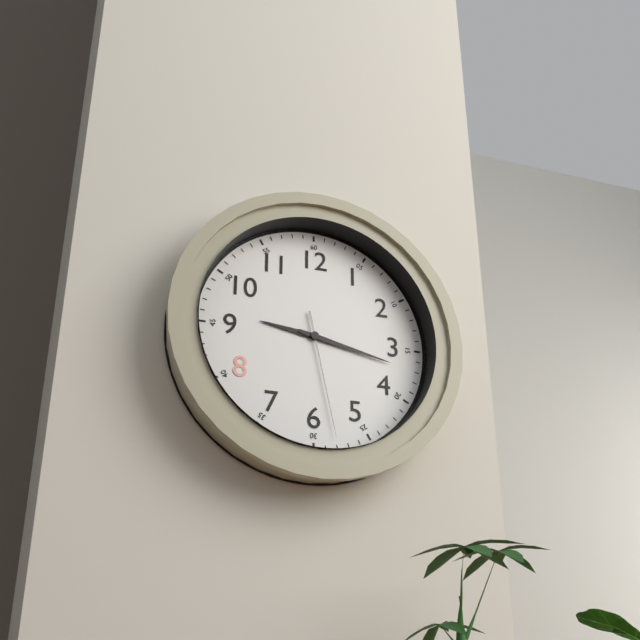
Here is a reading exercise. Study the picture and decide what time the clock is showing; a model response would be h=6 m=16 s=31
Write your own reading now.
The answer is h=9 m=17 s=28
